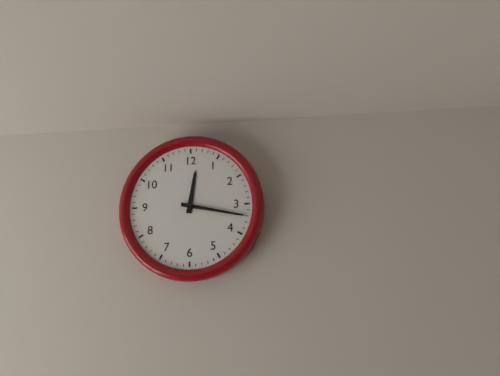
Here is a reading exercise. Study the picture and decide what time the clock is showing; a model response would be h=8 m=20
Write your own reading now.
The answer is h=12 m=17
